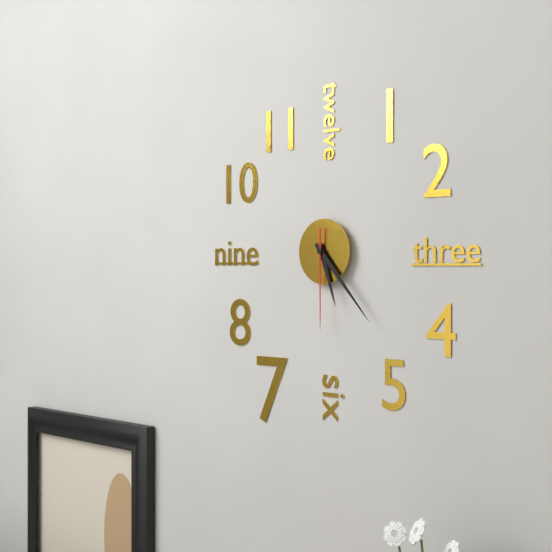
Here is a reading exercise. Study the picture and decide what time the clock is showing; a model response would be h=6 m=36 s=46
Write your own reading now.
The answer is h=5 m=23 s=30
